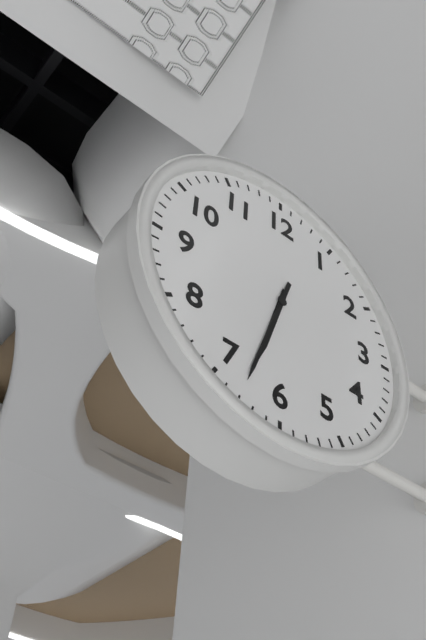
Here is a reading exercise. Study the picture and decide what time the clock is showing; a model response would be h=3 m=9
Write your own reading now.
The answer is h=6 m=33
